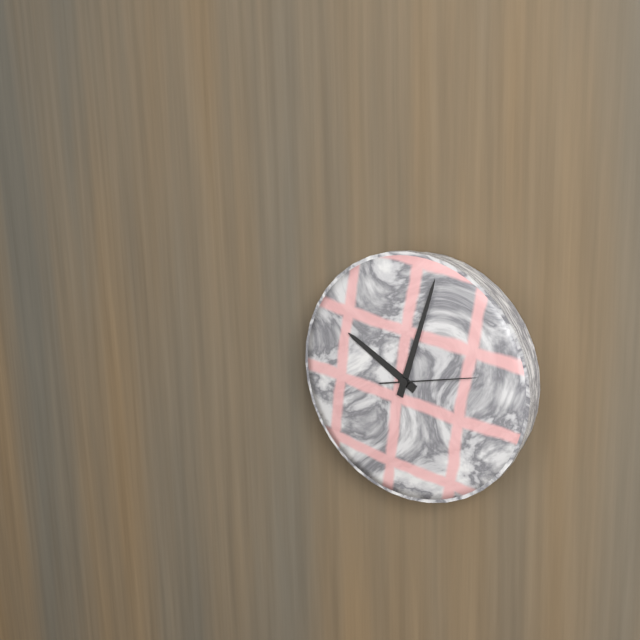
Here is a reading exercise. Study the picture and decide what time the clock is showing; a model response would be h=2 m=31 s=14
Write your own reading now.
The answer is h=10 m=3 s=13
